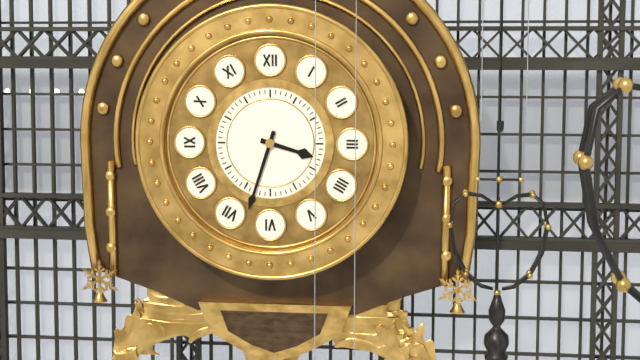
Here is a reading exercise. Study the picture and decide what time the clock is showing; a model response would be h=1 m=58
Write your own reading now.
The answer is h=3 m=33
